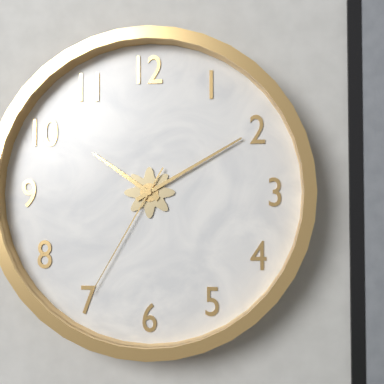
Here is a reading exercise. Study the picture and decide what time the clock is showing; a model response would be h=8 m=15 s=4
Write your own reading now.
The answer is h=10 m=10 s=35
